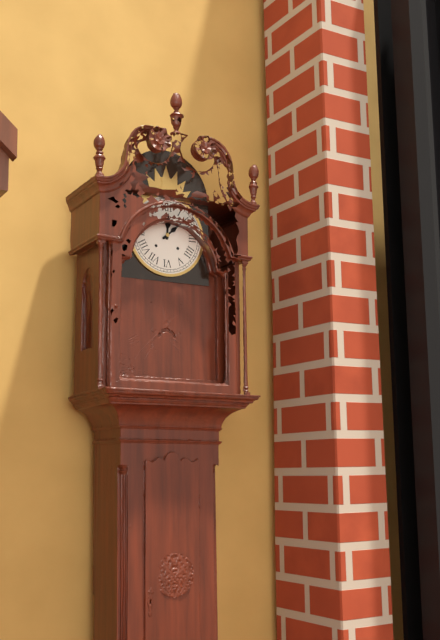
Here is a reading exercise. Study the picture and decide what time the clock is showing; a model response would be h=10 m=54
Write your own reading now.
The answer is h=12 m=8
